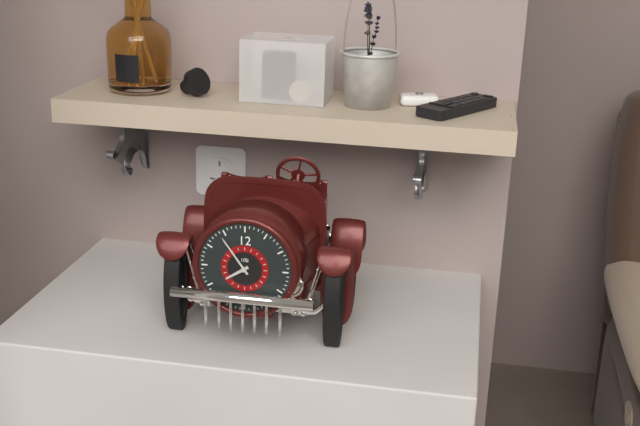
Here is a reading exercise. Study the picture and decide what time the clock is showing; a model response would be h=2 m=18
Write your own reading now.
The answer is h=7 m=54
